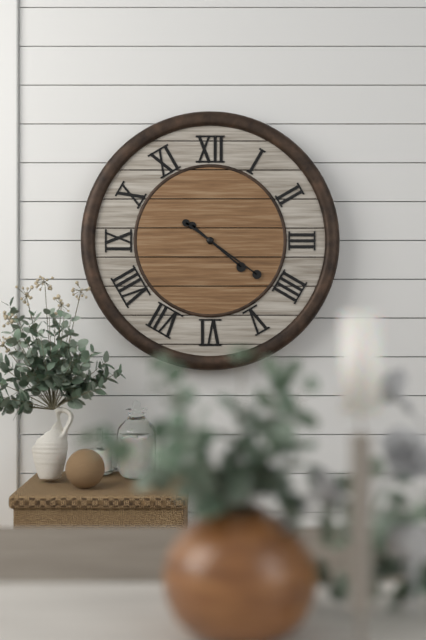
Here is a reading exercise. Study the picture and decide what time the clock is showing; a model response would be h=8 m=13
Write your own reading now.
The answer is h=4 m=21
